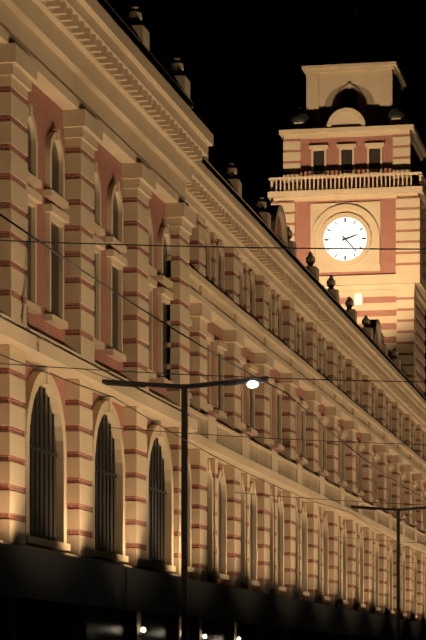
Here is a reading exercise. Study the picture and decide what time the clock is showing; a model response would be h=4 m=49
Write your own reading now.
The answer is h=2 m=23
